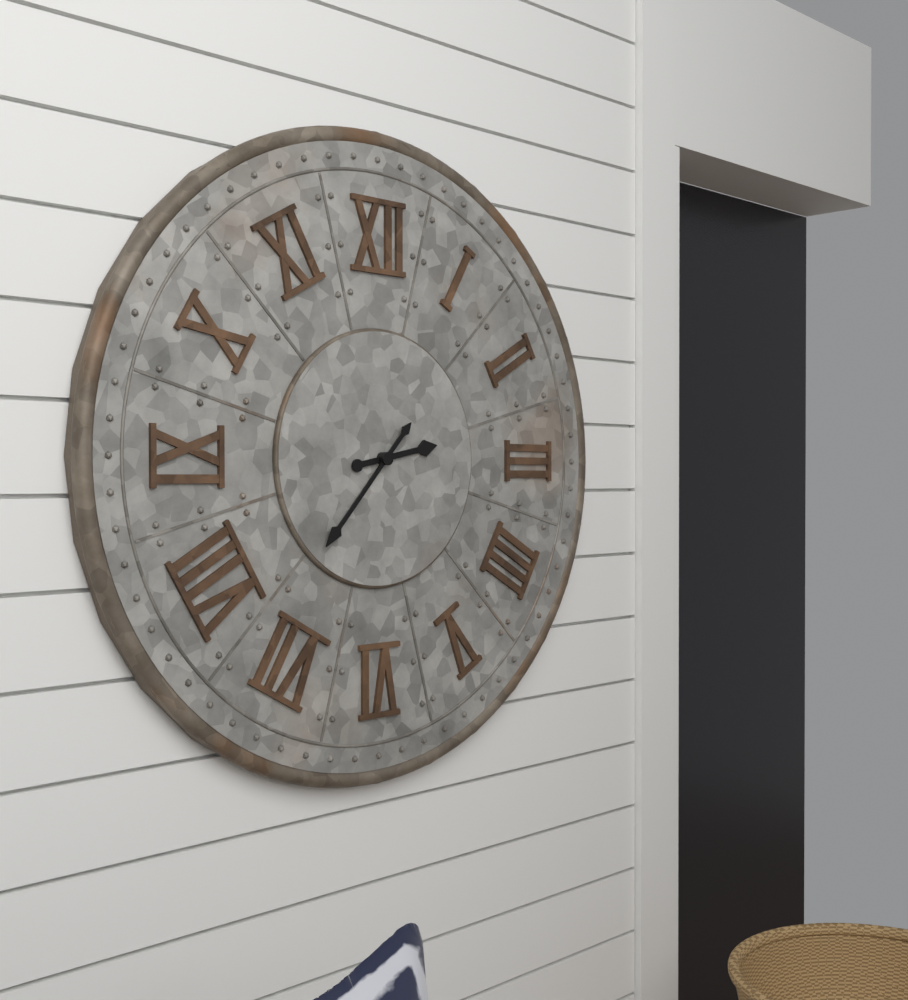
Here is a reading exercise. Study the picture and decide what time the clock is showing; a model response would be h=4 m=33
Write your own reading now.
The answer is h=2 m=37
